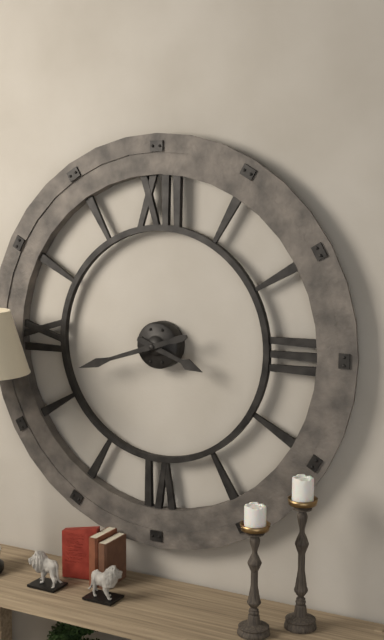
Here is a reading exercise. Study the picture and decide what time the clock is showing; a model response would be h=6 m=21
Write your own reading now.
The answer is h=3 m=42
